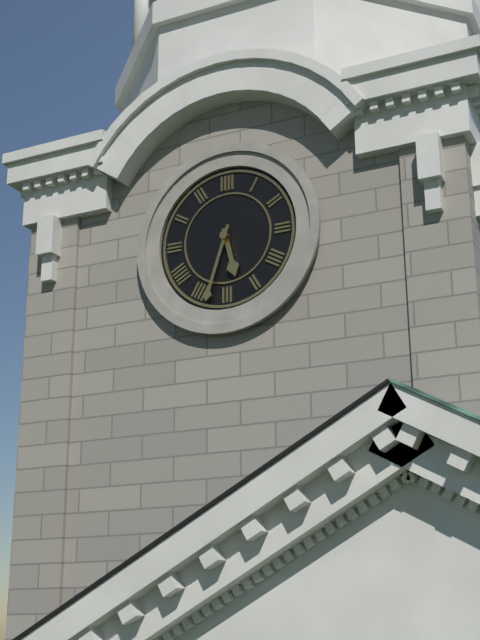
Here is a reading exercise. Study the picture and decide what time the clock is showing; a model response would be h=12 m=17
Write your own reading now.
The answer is h=5 m=33
